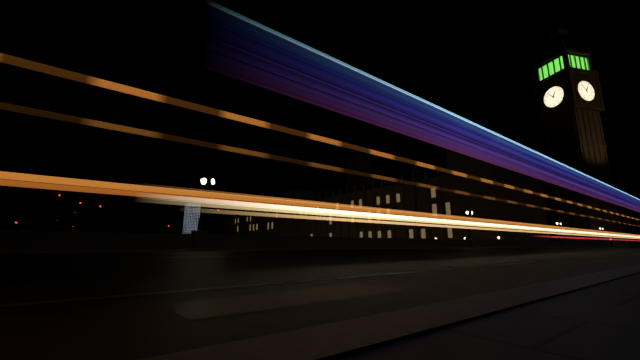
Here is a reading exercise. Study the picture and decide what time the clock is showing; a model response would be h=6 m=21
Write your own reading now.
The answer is h=12 m=53
